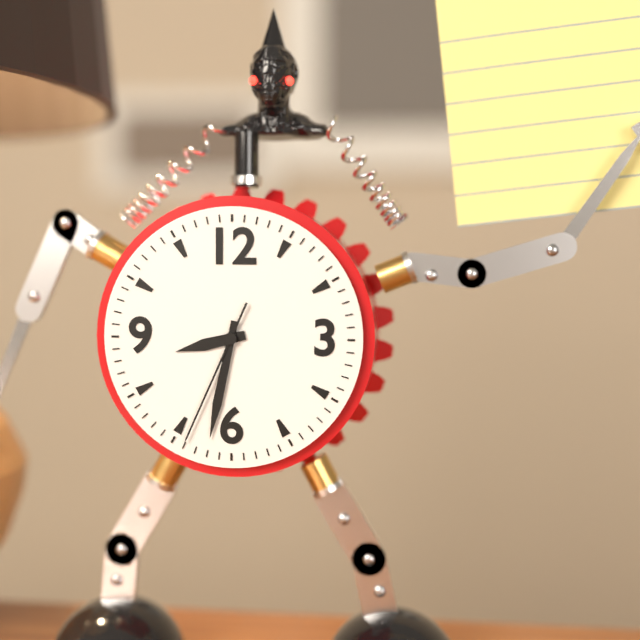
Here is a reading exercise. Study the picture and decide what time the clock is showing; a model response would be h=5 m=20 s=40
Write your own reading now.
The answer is h=8 m=32 s=34
